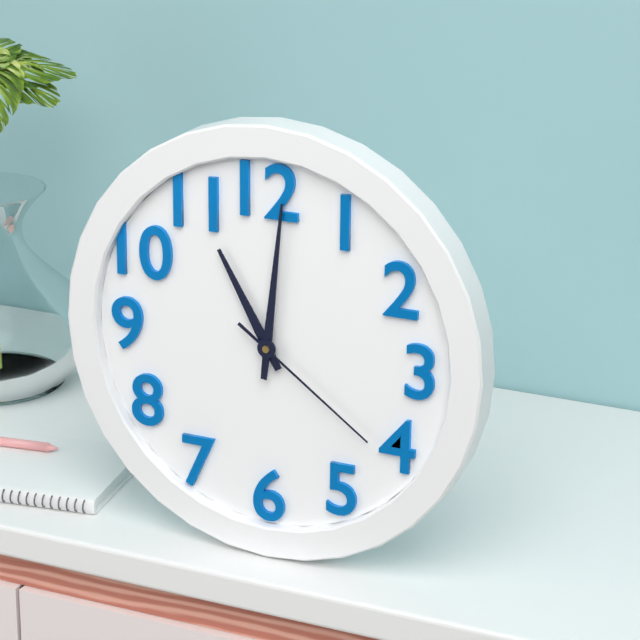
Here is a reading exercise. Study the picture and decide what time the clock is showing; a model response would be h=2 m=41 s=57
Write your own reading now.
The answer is h=11 m=1 s=21
